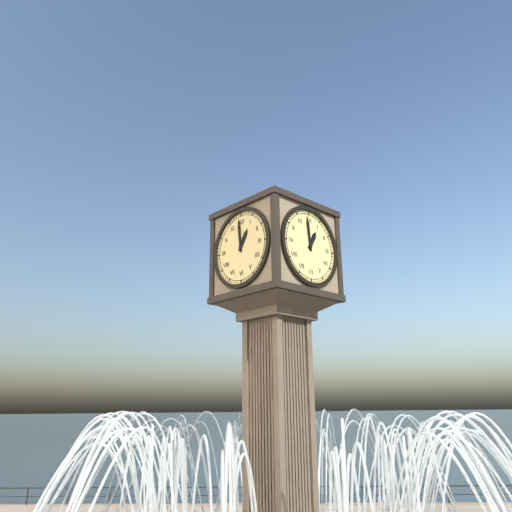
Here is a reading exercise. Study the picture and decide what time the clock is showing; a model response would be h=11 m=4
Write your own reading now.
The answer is h=12 m=59
